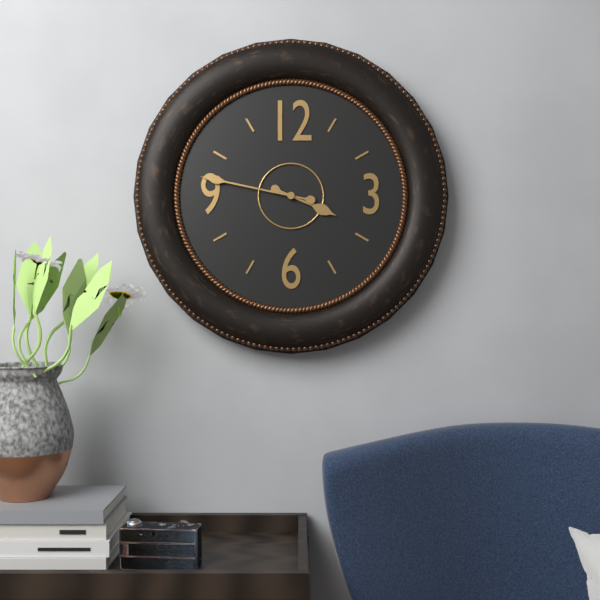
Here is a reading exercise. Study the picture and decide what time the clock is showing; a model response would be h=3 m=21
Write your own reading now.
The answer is h=3 m=47
